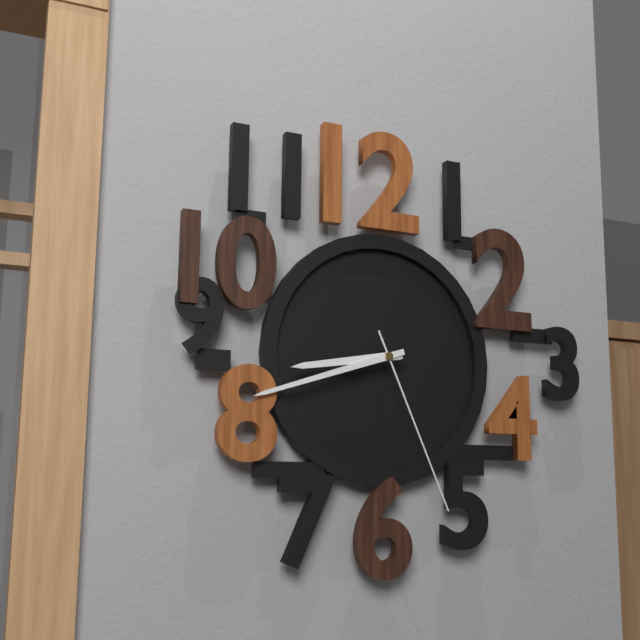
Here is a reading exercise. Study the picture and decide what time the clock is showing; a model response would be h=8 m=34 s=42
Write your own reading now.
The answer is h=8 m=42 s=26
